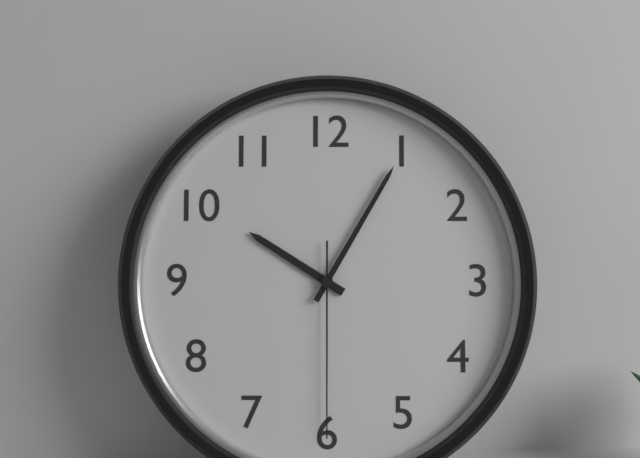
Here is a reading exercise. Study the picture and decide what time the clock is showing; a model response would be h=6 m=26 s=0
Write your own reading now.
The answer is h=10 m=5 s=30
